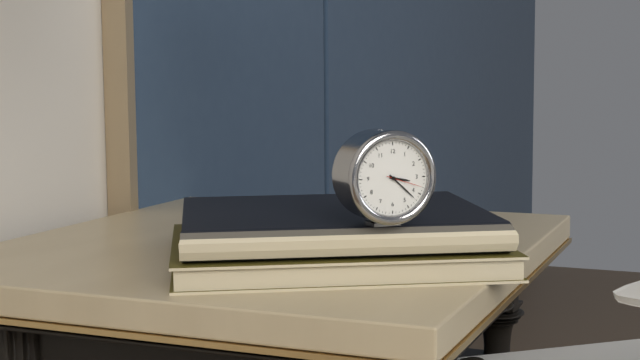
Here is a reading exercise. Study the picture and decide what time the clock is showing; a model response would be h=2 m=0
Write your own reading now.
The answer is h=3 m=22
